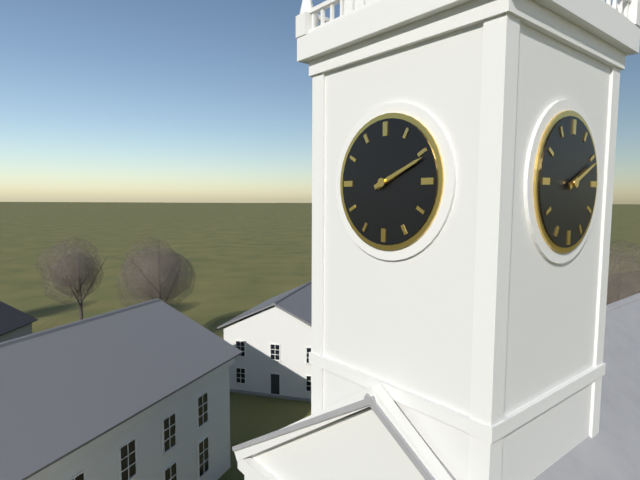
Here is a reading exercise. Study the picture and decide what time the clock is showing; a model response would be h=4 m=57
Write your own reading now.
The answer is h=2 m=11
